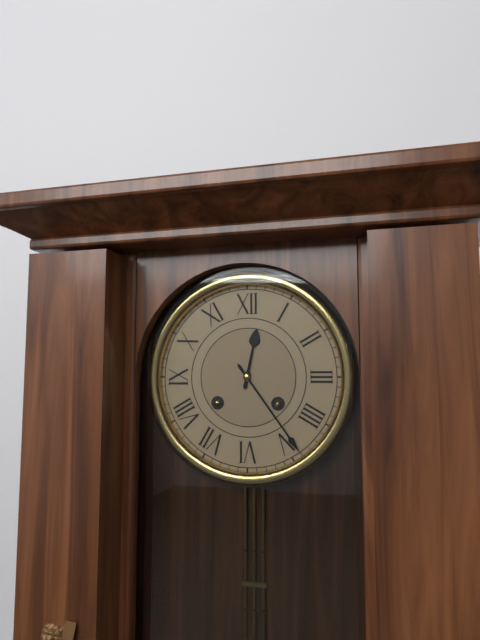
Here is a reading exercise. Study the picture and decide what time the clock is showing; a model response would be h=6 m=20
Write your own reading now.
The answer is h=12 m=24
